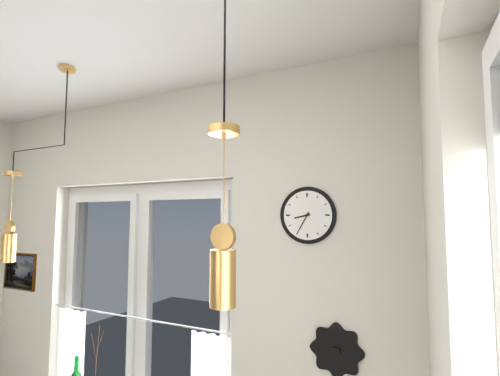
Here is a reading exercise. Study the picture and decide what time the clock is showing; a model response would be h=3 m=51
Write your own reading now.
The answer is h=8 m=35
